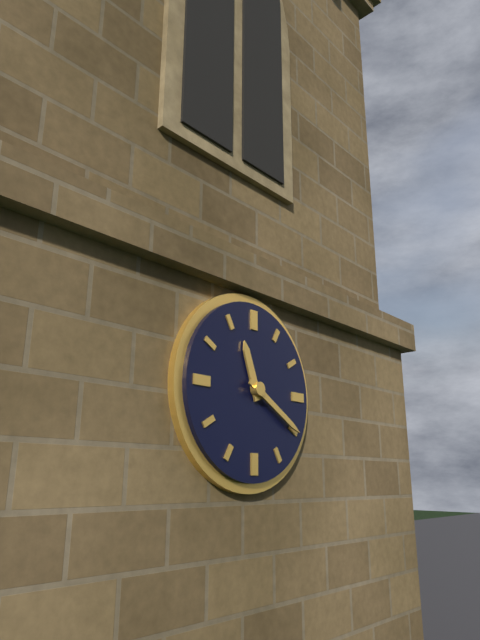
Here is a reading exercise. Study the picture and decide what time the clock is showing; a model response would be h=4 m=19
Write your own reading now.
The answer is h=11 m=20
